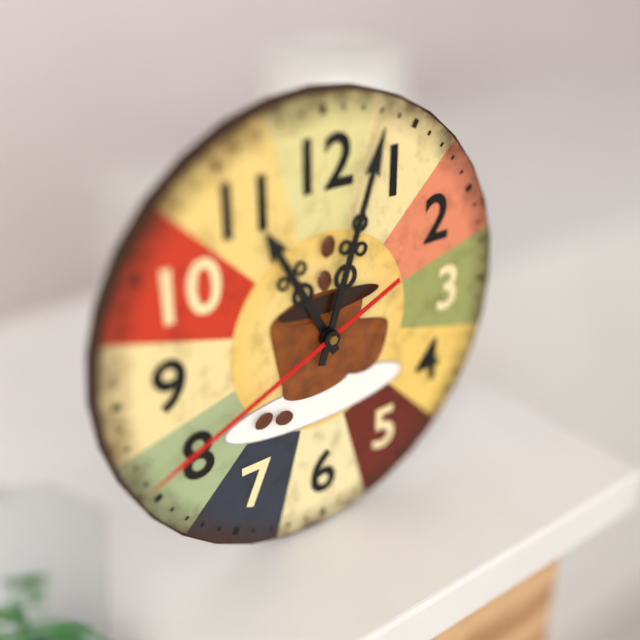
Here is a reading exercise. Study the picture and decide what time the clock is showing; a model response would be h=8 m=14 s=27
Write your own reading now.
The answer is h=11 m=3 s=41
